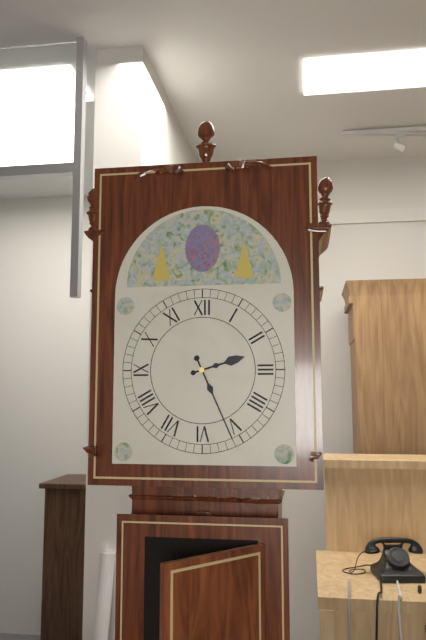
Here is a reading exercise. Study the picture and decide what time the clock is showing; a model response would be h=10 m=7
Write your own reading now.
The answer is h=2 m=26
